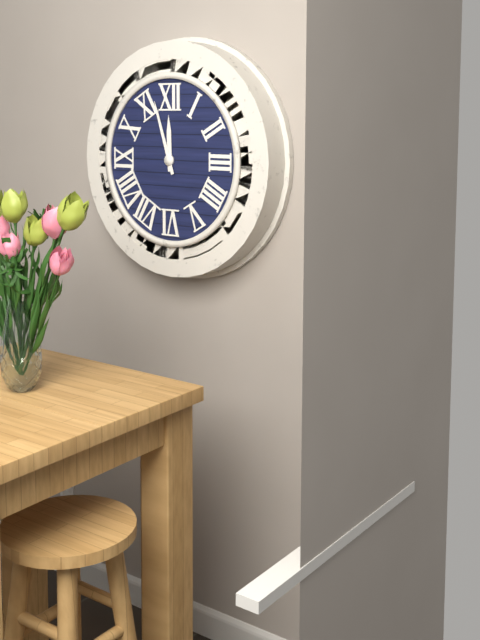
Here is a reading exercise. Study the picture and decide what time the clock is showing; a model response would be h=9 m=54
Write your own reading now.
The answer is h=11 m=57
